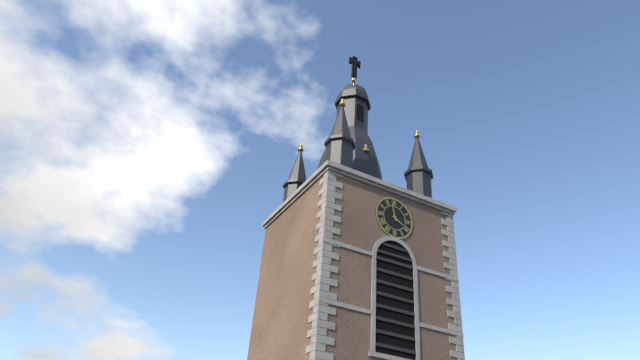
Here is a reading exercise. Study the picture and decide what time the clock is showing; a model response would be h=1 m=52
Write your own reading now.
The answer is h=3 m=58
